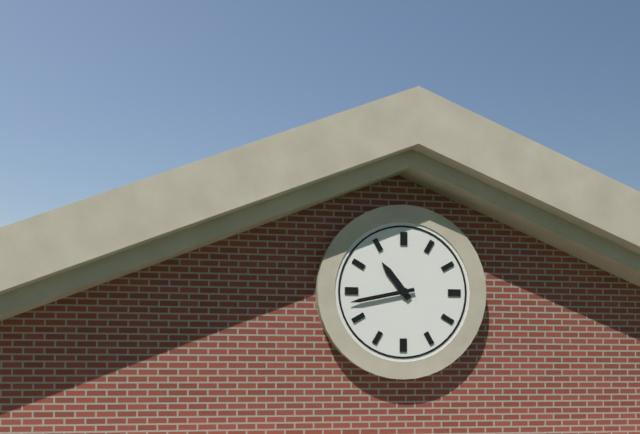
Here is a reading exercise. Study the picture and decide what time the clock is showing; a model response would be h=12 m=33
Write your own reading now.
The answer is h=10 m=43
